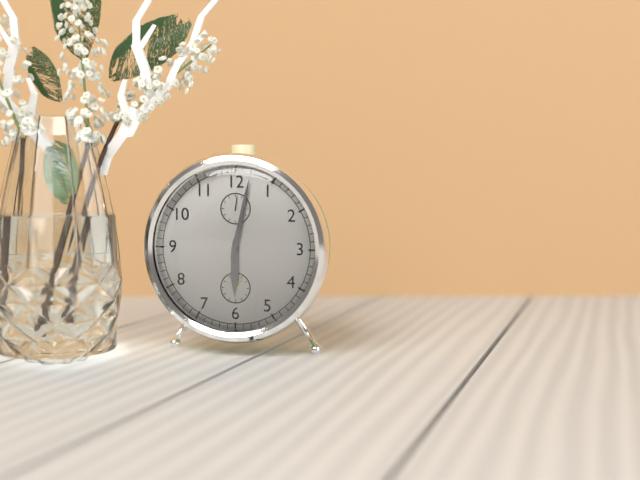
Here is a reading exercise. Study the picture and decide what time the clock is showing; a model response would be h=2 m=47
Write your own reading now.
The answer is h=6 m=2
